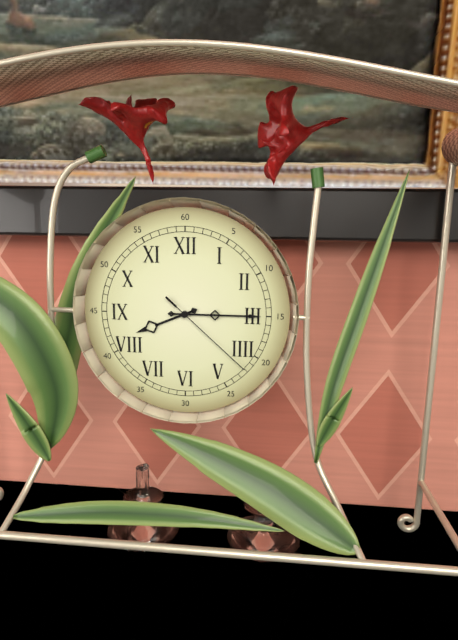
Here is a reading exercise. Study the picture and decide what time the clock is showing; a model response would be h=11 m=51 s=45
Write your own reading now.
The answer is h=8 m=15 s=22
